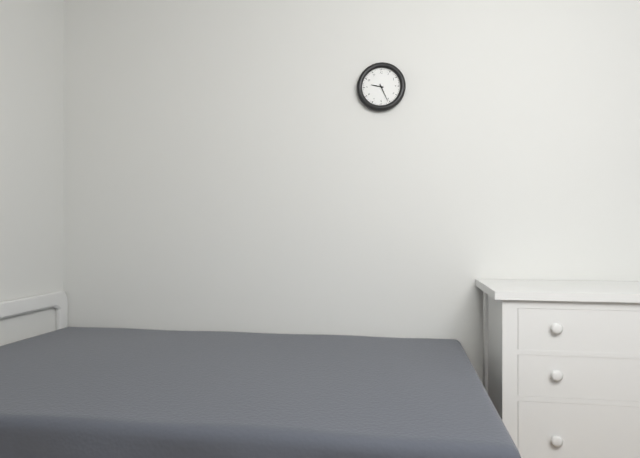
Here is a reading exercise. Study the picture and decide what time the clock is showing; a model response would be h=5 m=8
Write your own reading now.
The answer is h=9 m=26
